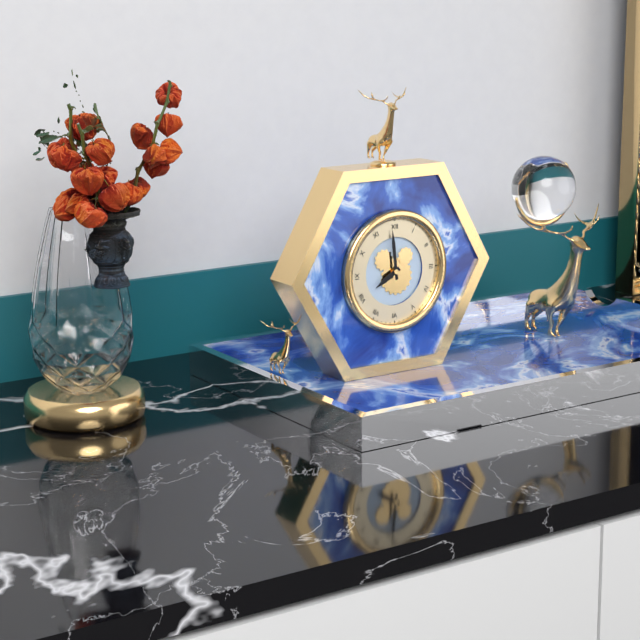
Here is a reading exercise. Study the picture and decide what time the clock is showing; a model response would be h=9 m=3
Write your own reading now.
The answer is h=7 m=59
